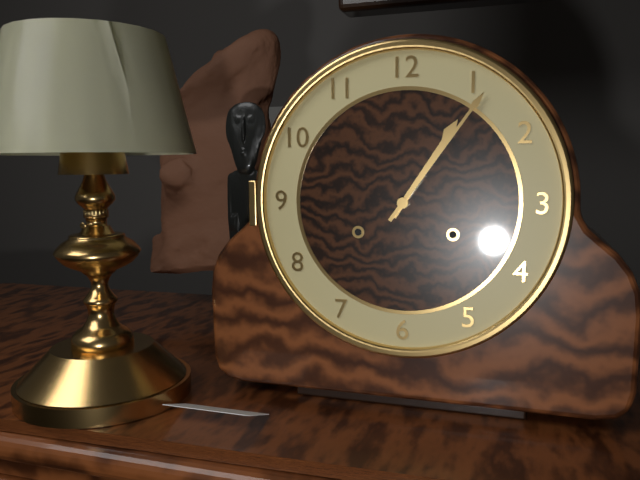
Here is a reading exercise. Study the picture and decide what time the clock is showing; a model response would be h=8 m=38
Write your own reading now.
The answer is h=1 m=6
